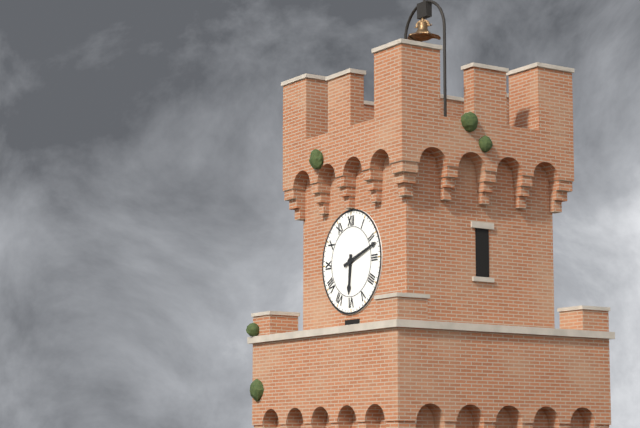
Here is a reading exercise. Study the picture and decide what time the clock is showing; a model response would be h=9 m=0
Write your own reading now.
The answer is h=6 m=12
